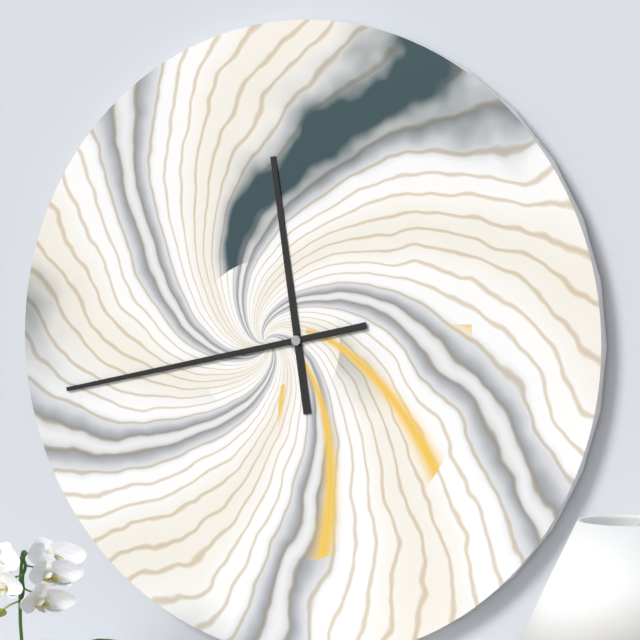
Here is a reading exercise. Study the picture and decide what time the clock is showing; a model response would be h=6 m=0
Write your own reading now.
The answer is h=11 m=43
